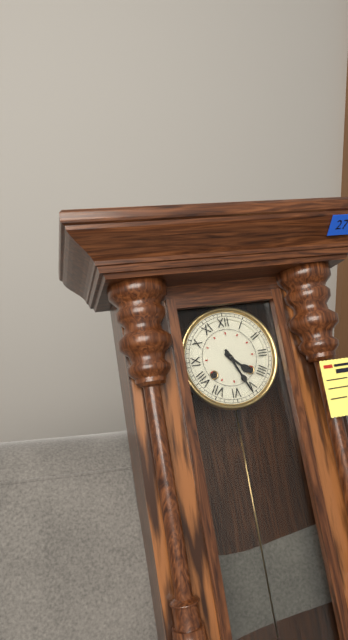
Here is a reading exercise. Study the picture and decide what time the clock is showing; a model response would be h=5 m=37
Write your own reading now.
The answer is h=4 m=26
